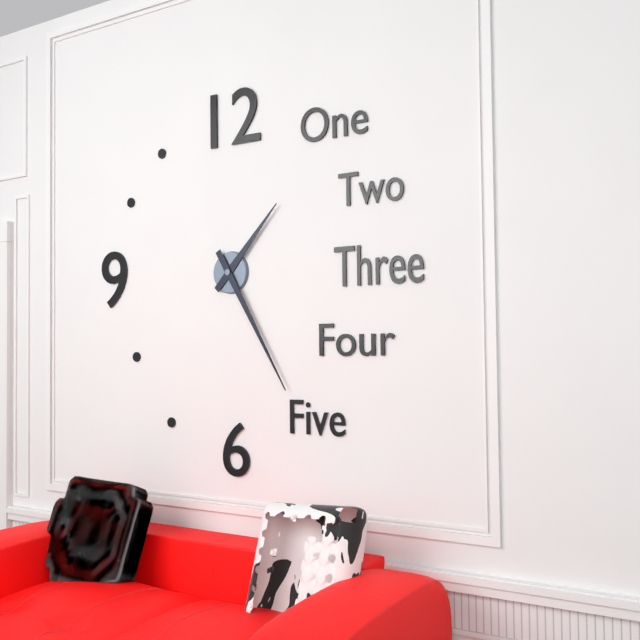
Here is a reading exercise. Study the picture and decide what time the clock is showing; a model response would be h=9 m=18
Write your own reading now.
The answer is h=1 m=25
